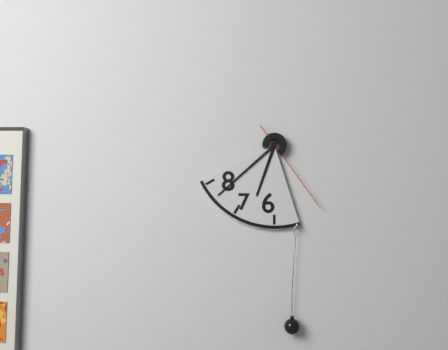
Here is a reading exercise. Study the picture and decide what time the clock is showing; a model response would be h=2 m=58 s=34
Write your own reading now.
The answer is h=6 m=38 s=24
